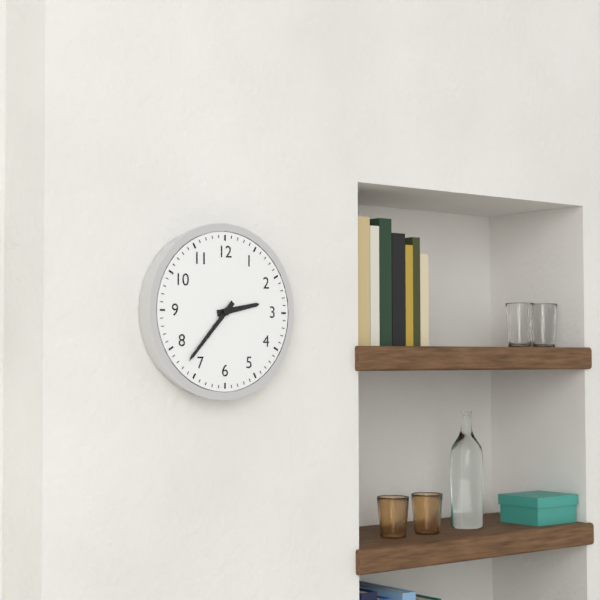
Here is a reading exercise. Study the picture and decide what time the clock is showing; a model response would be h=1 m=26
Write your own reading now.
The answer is h=2 m=37
